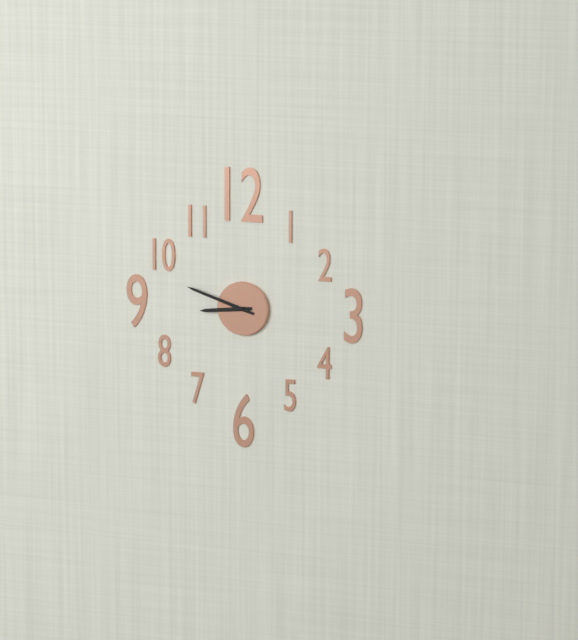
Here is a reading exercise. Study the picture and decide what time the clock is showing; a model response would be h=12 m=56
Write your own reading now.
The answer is h=8 m=48
